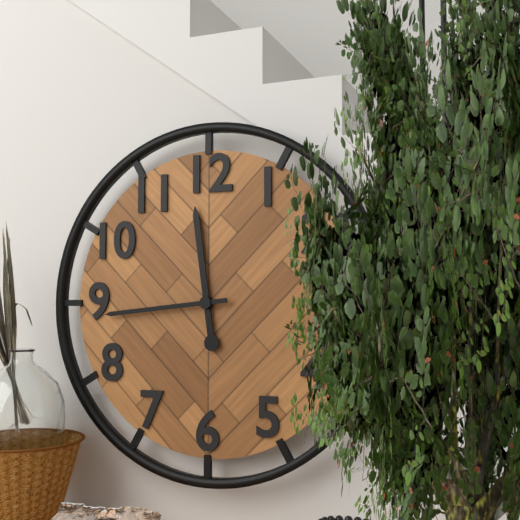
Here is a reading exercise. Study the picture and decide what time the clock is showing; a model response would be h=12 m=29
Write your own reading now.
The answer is h=11 m=44
